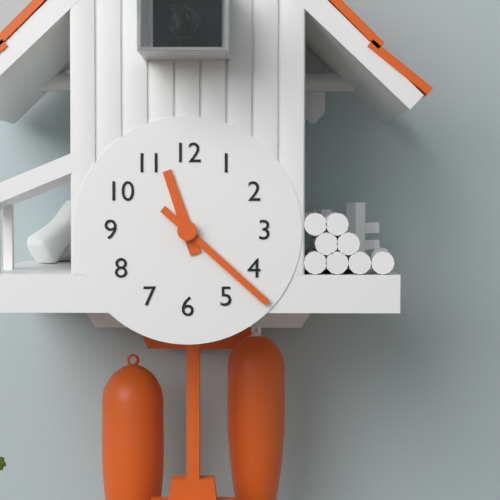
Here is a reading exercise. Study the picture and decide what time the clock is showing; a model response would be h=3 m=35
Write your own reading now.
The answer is h=11 m=22
